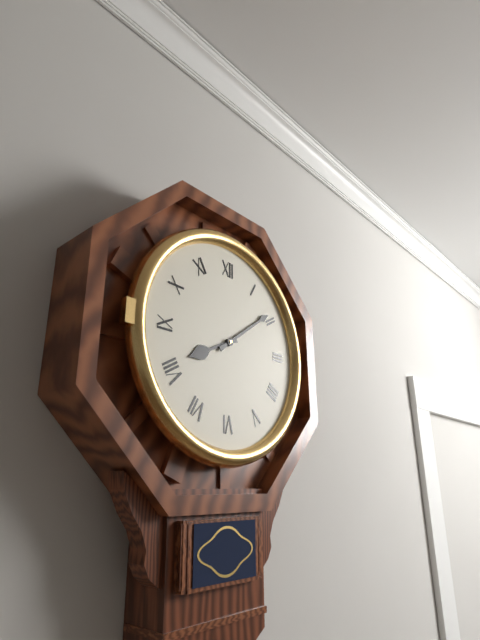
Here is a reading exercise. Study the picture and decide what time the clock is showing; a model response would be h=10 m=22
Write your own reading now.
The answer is h=8 m=9
